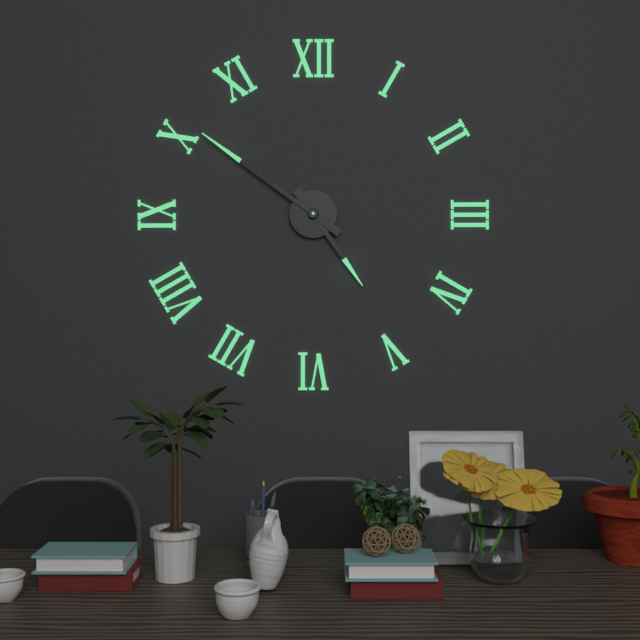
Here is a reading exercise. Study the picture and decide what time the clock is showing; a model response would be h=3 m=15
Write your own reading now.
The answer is h=4 m=51
